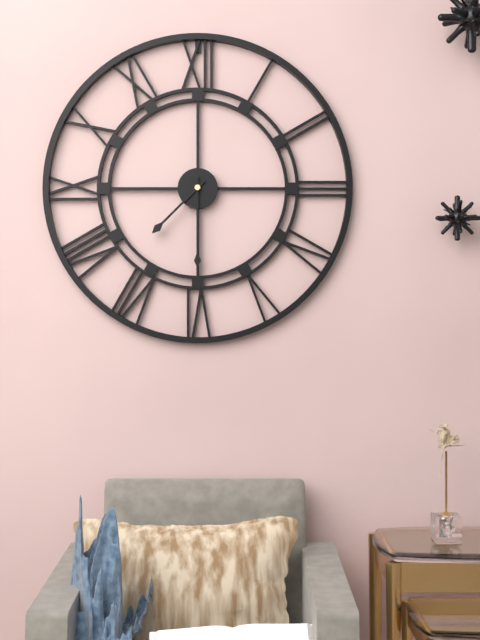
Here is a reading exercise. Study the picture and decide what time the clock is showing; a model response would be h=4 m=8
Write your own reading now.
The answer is h=7 m=30
